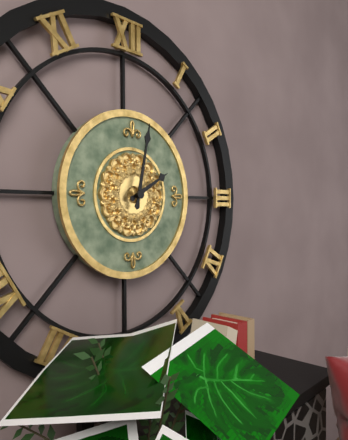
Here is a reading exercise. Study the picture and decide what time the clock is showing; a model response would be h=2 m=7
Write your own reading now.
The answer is h=2 m=2
